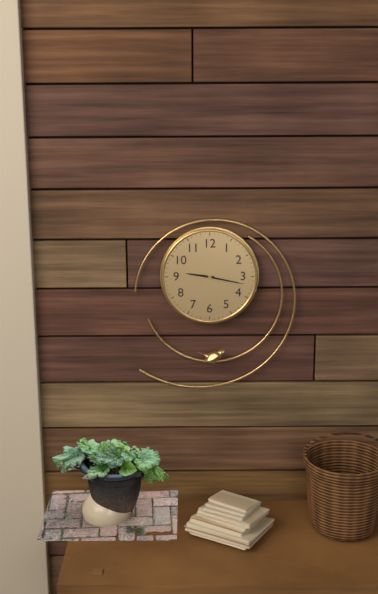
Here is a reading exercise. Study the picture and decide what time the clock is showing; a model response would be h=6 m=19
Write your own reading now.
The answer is h=9 m=17
